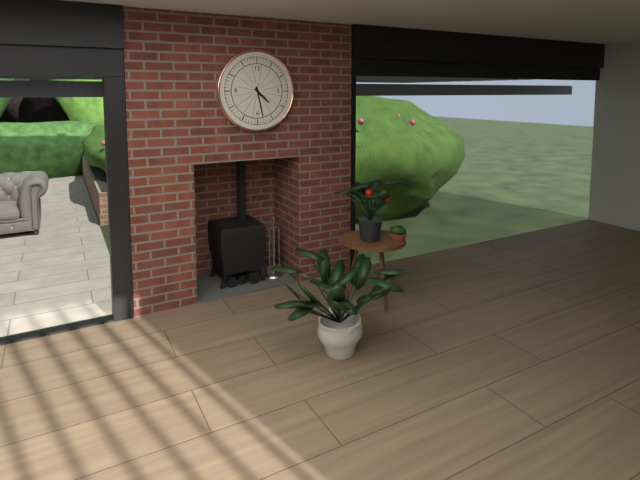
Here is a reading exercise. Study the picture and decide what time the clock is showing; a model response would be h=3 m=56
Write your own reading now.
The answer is h=4 m=28
